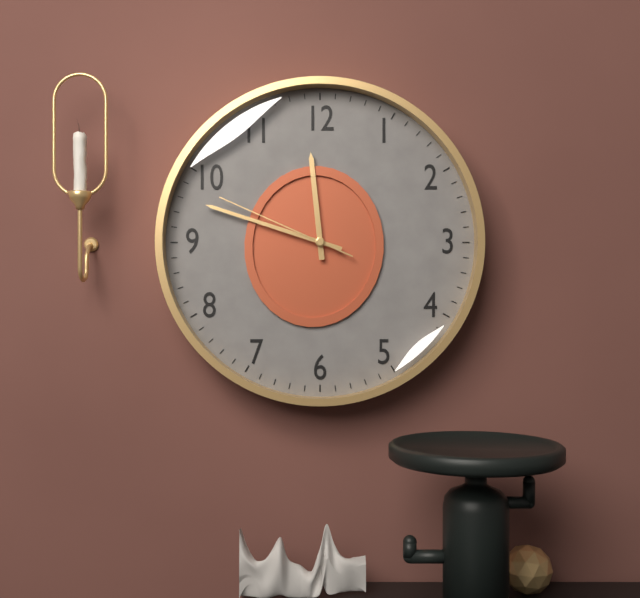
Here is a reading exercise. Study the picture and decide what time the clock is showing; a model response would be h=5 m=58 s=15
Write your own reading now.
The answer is h=11 m=48 s=49
